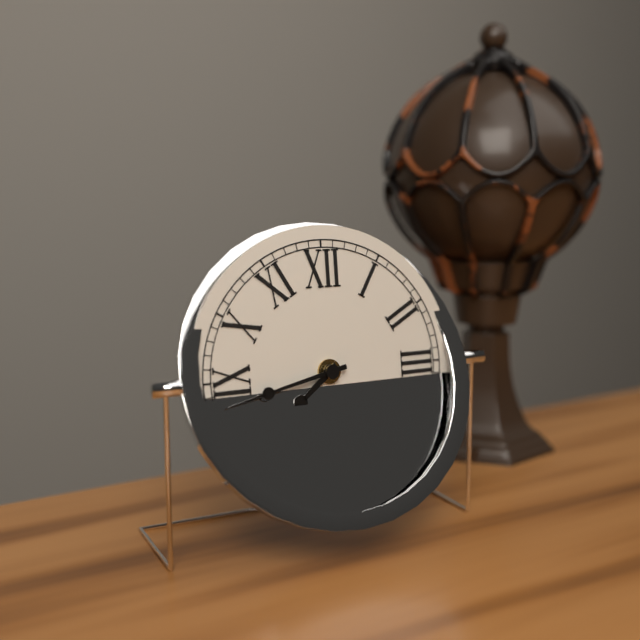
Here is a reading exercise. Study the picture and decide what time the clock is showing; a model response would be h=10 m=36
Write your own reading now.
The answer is h=7 m=43
